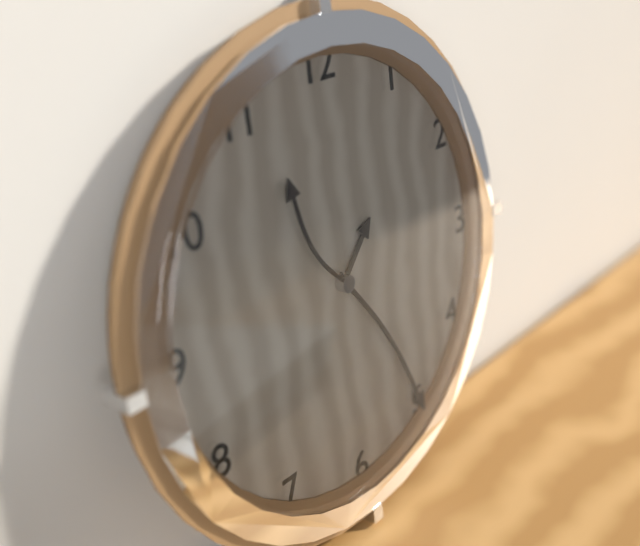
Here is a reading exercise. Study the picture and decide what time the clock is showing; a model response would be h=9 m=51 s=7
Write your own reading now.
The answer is h=1 m=25 s=55
